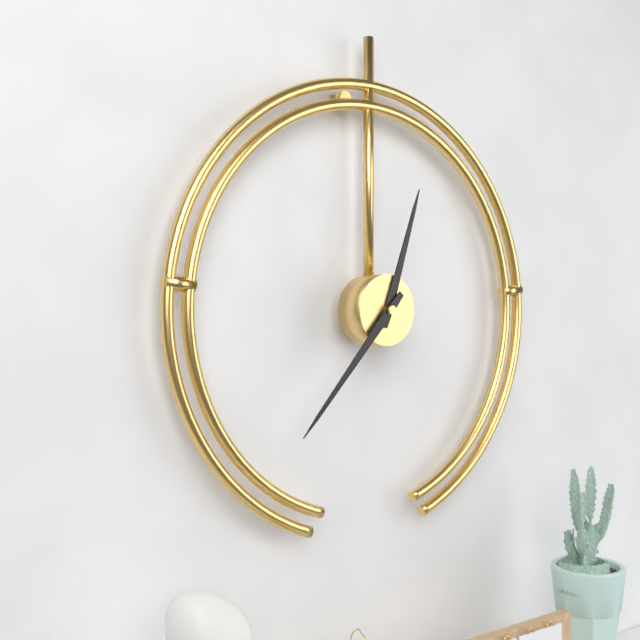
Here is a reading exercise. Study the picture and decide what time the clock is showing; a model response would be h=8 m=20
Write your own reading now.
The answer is h=12 m=37
